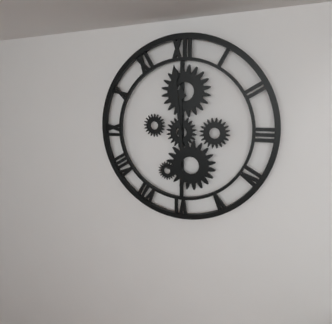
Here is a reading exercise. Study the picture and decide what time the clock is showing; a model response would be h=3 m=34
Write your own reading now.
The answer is h=11 m=59
